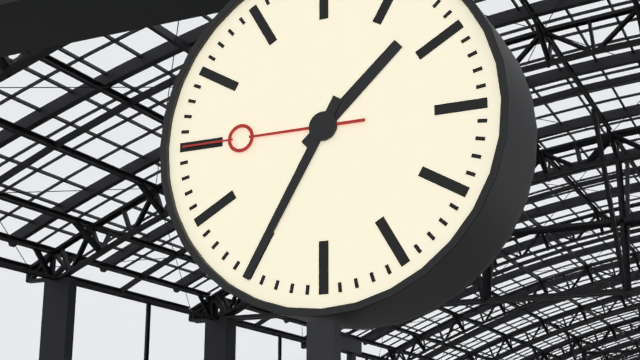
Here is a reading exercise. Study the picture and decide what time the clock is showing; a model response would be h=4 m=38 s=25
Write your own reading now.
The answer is h=1 m=35 s=45
